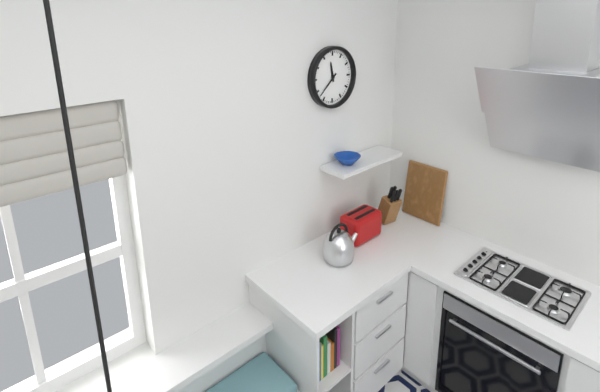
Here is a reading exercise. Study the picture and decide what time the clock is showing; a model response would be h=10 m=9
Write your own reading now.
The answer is h=11 m=38
